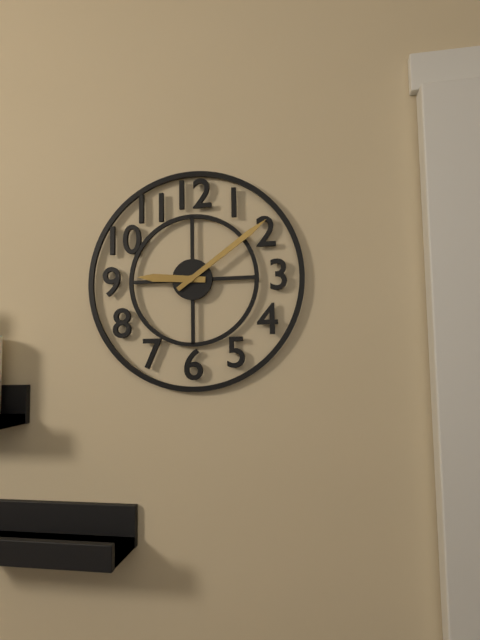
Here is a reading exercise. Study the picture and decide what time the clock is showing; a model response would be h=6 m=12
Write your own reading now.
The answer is h=9 m=9
